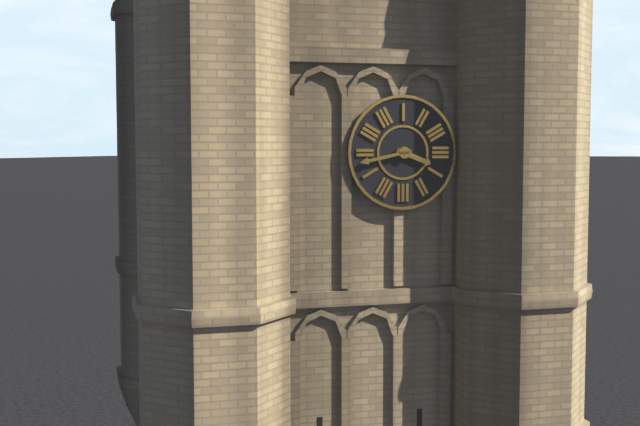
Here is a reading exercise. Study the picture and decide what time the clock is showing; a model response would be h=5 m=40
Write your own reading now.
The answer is h=3 m=43
